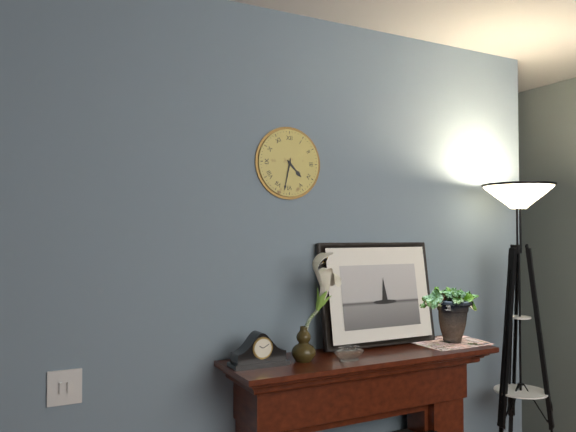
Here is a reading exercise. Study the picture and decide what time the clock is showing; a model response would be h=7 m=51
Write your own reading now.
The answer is h=4 m=32
